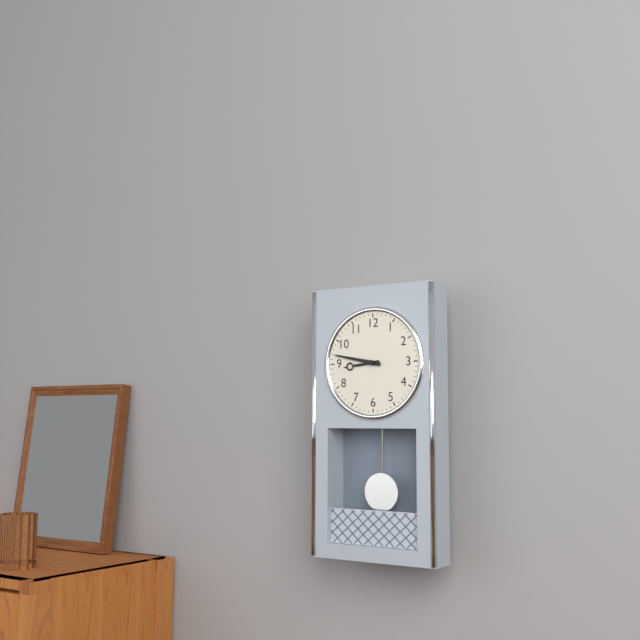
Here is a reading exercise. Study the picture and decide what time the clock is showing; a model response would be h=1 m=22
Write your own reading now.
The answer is h=8 m=47
